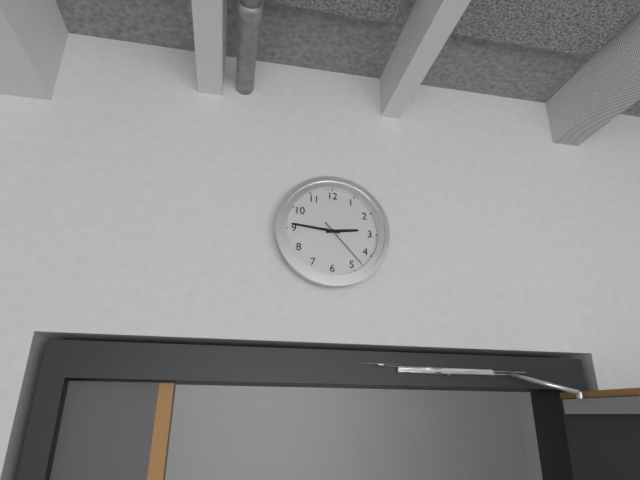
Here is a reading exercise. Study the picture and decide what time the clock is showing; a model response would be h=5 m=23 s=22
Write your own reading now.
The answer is h=2 m=46 s=23
